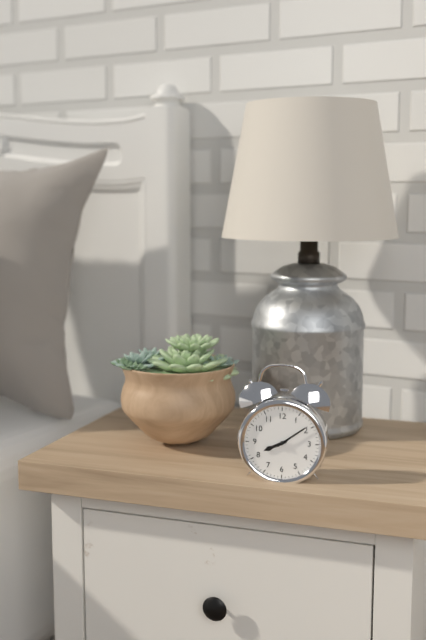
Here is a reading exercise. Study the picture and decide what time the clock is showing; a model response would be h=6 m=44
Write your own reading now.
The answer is h=8 m=9
